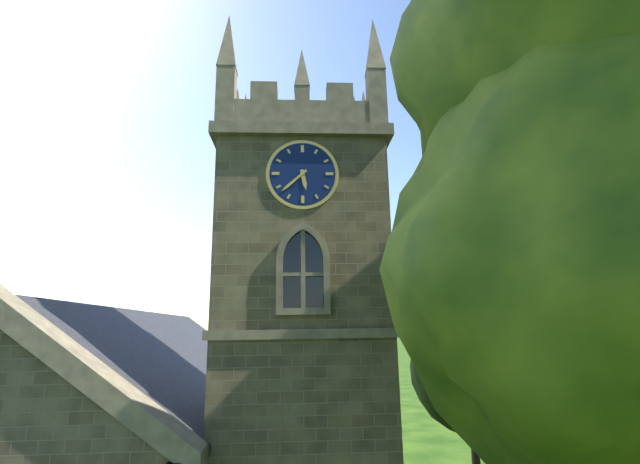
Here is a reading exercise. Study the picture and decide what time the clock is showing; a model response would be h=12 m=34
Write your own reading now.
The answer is h=5 m=38
